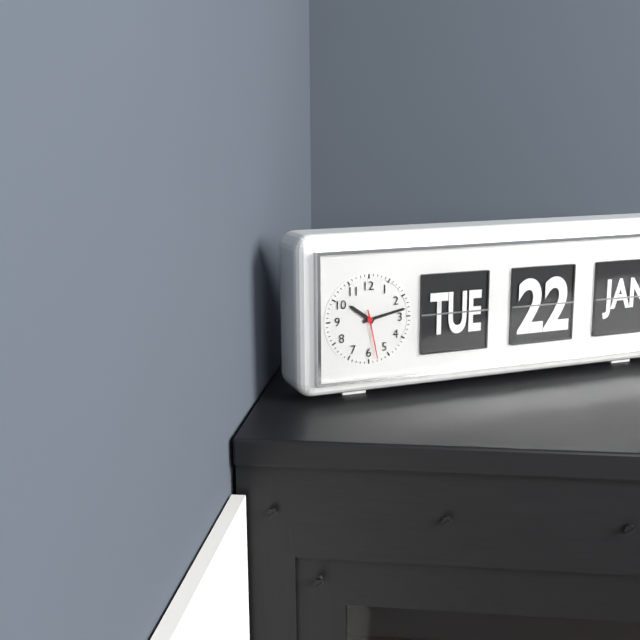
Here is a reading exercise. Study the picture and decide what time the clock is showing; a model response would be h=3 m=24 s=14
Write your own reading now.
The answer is h=10 m=13 s=28
